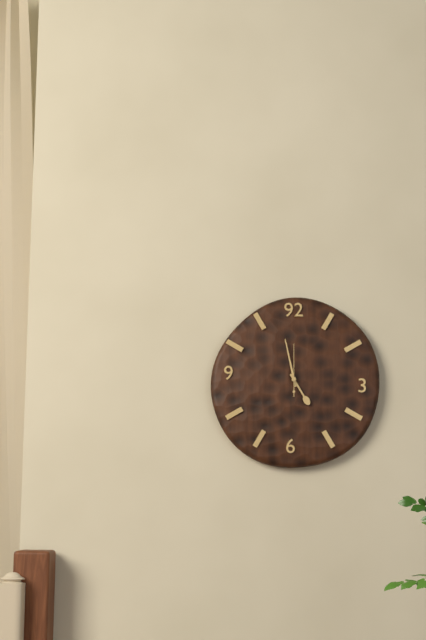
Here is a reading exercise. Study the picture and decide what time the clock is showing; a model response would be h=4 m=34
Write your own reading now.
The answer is h=4 m=58
